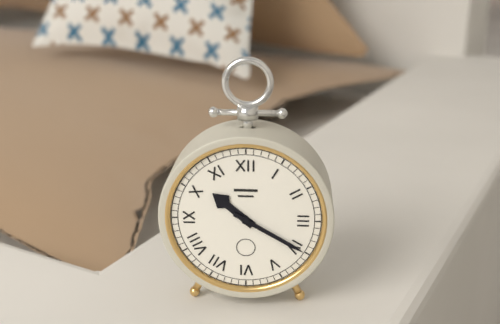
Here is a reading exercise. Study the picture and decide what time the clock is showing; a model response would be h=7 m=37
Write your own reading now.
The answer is h=10 m=20
